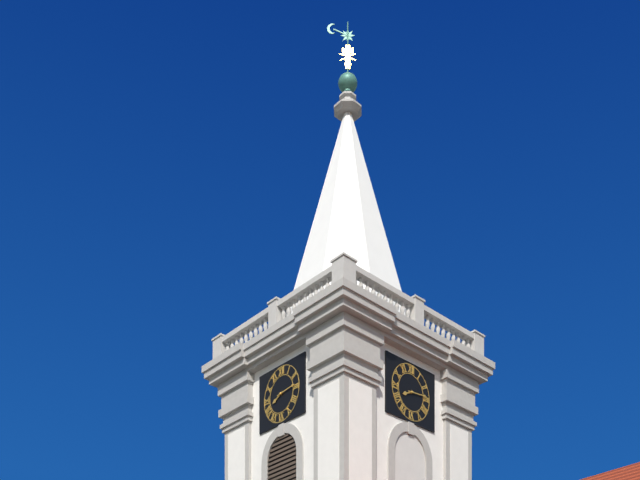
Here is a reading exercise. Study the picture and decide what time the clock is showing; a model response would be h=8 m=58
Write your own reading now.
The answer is h=8 m=14
